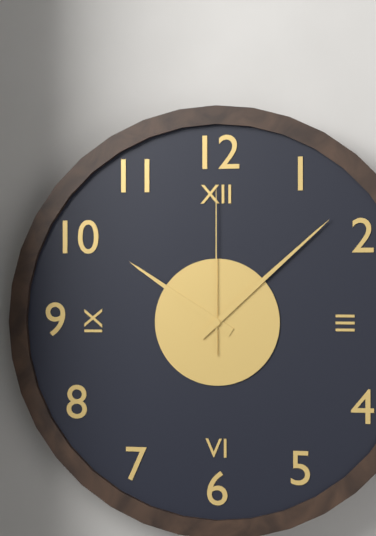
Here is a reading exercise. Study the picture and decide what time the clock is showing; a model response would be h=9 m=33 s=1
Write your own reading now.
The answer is h=10 m=8 s=0
